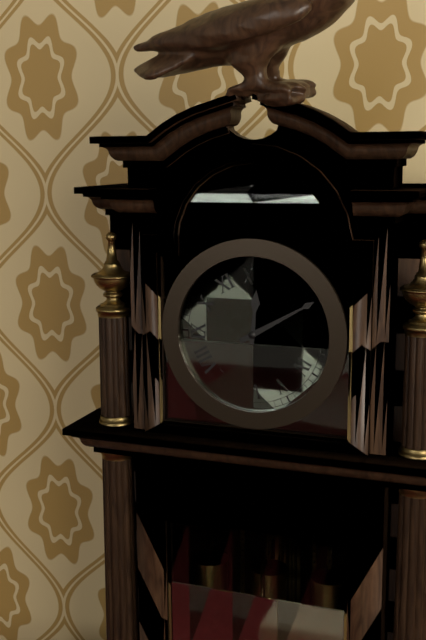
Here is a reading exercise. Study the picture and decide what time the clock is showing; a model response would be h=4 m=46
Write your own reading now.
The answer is h=12 m=10
